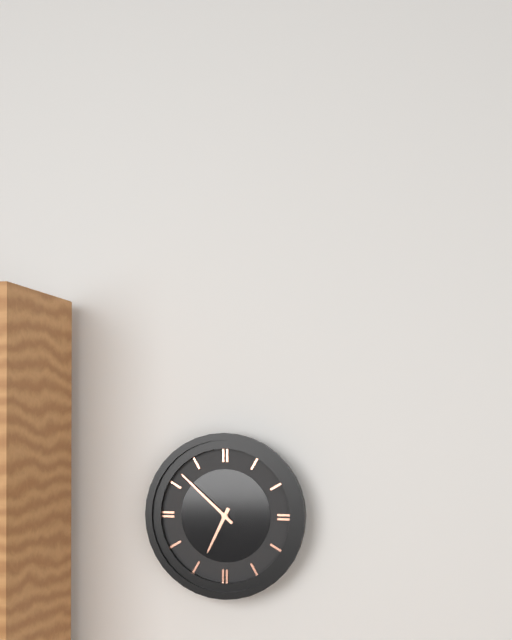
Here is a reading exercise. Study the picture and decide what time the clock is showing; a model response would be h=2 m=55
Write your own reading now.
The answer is h=6 m=52
